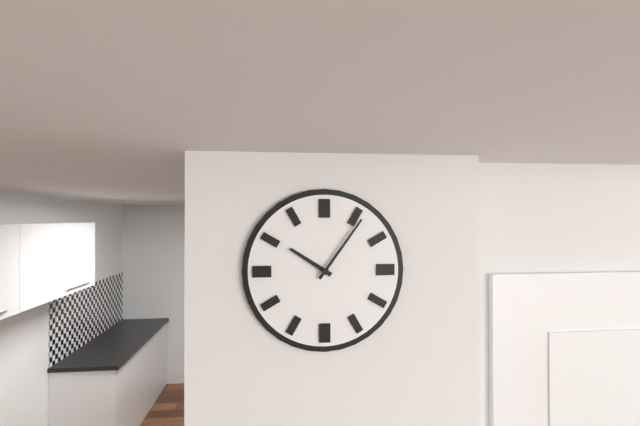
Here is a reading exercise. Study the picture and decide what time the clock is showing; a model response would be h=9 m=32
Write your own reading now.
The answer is h=10 m=6
